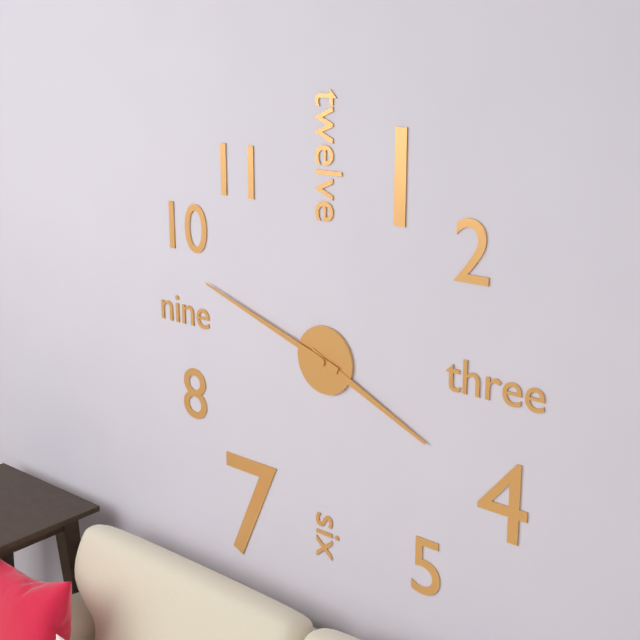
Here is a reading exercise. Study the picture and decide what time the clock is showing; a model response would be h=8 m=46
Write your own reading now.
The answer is h=3 m=48
